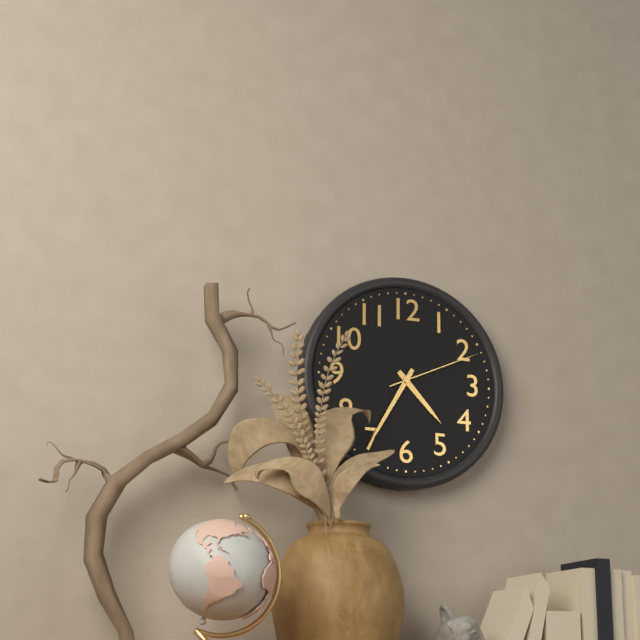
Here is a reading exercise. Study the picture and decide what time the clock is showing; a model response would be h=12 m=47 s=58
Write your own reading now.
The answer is h=4 m=35 s=11
